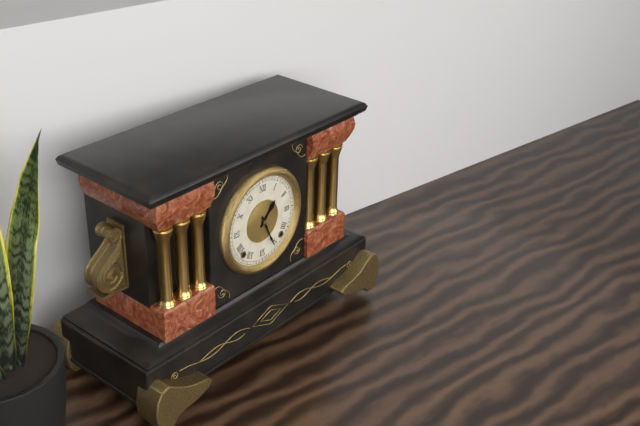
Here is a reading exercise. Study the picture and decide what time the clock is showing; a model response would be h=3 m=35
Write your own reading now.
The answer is h=1 m=26
